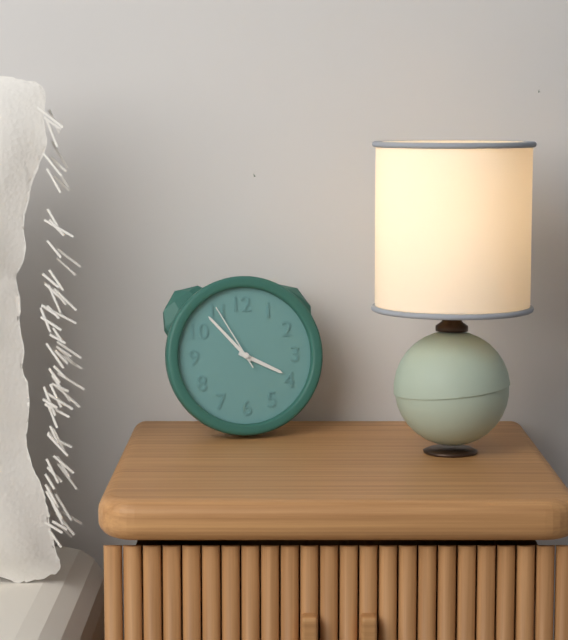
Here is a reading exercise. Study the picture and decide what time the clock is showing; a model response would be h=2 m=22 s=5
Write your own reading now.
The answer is h=3 m=53 s=55
